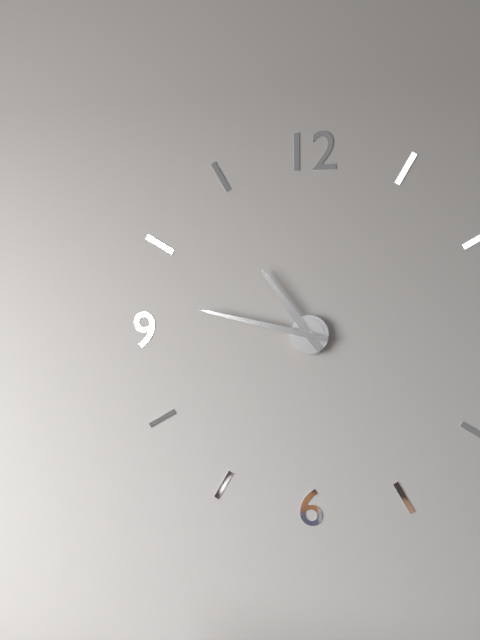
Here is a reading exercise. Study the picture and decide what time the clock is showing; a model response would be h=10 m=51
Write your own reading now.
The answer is h=10 m=47
